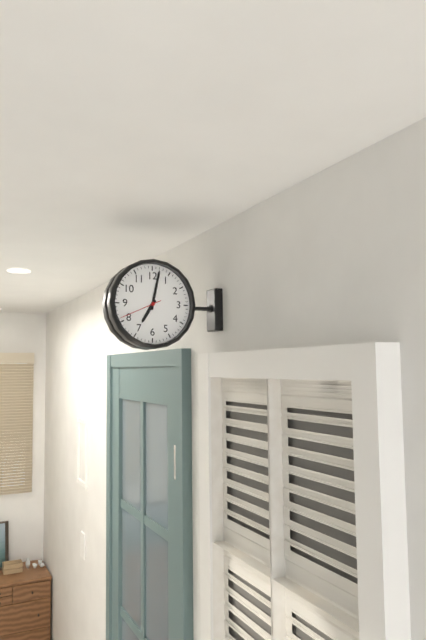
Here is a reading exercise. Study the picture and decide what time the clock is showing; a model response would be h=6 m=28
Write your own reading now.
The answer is h=7 m=2
